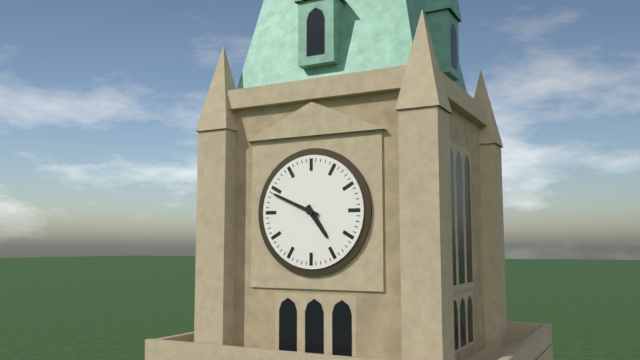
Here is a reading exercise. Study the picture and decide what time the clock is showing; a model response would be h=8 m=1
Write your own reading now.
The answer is h=4 m=49
